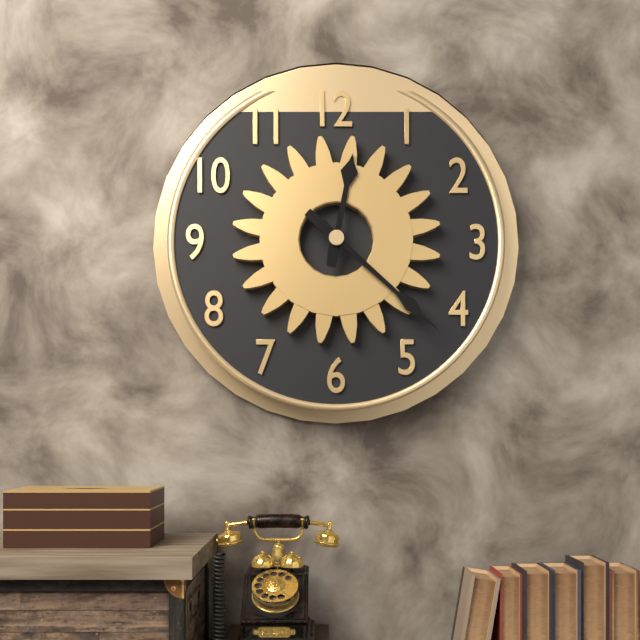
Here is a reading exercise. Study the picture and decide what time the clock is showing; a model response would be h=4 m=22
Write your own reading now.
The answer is h=12 m=22
